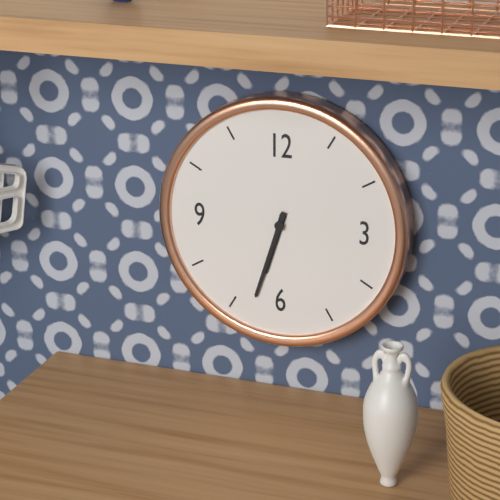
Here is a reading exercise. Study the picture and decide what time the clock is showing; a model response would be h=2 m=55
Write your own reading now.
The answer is h=6 m=33
